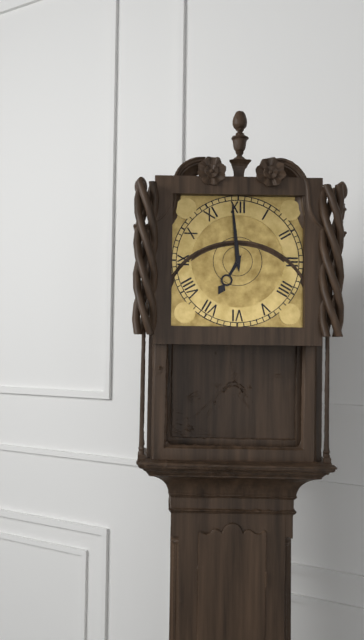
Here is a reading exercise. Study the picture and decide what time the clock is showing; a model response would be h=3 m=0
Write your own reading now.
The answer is h=6 m=59
